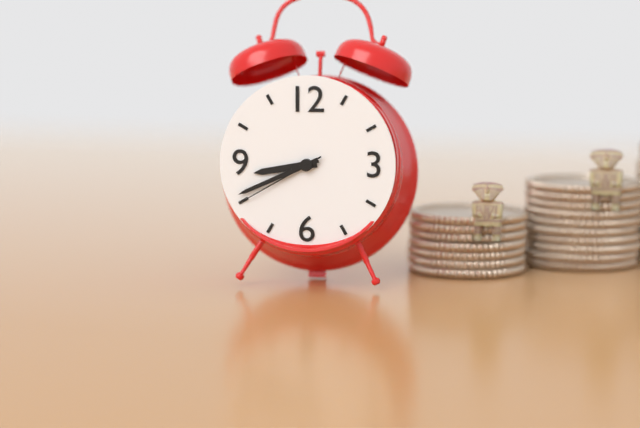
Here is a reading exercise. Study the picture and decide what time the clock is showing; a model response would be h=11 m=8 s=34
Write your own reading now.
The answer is h=8 m=41 s=40
